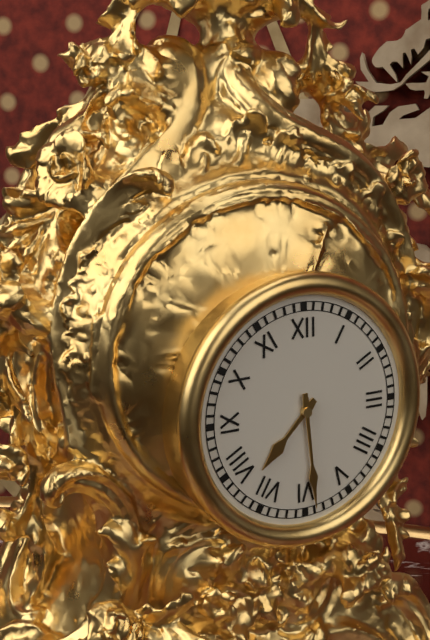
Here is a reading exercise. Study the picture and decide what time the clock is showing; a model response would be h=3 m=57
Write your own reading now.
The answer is h=7 m=29
